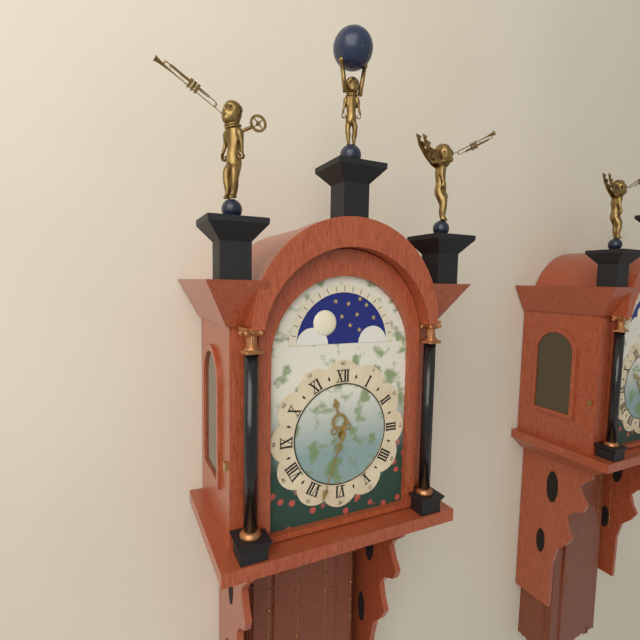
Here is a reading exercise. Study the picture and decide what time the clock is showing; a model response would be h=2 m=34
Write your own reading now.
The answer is h=11 m=33
